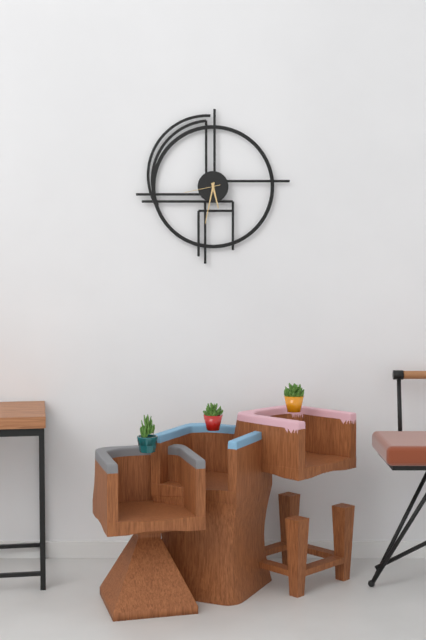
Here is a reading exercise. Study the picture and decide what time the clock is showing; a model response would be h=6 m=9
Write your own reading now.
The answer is h=5 m=32
